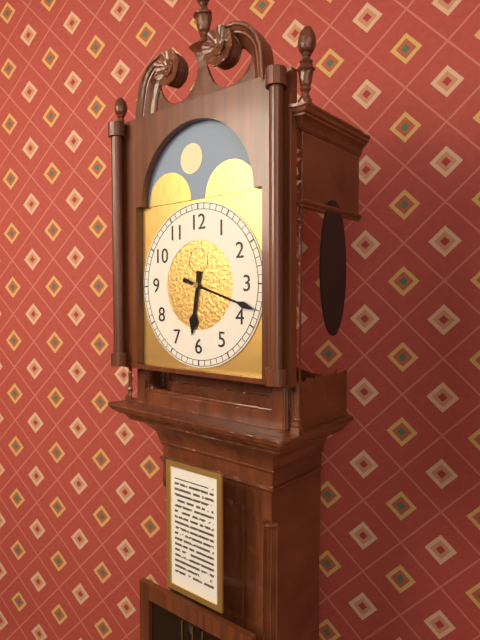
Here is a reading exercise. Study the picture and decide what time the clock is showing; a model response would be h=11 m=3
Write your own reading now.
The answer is h=6 m=18
